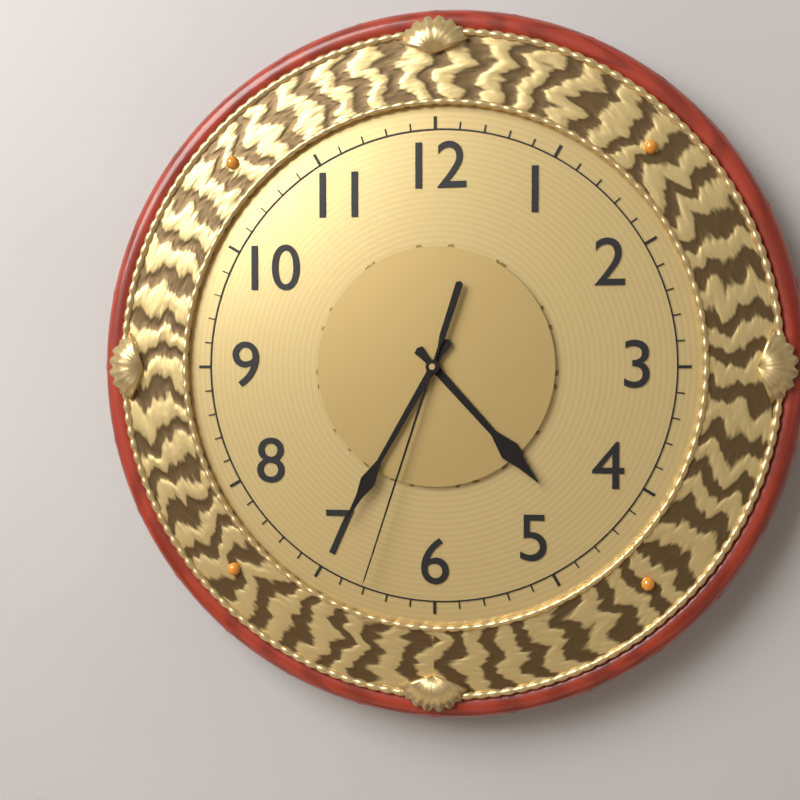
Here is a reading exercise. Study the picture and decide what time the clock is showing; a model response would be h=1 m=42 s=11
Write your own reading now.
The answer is h=4 m=35 s=33
